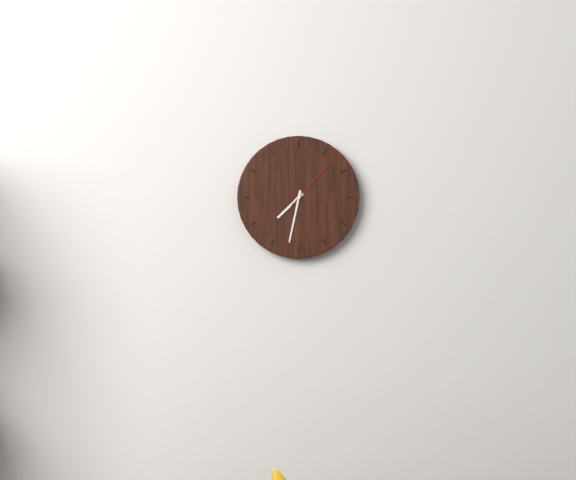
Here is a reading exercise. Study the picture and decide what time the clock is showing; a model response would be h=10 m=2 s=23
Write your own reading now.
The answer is h=7 m=32 s=7
